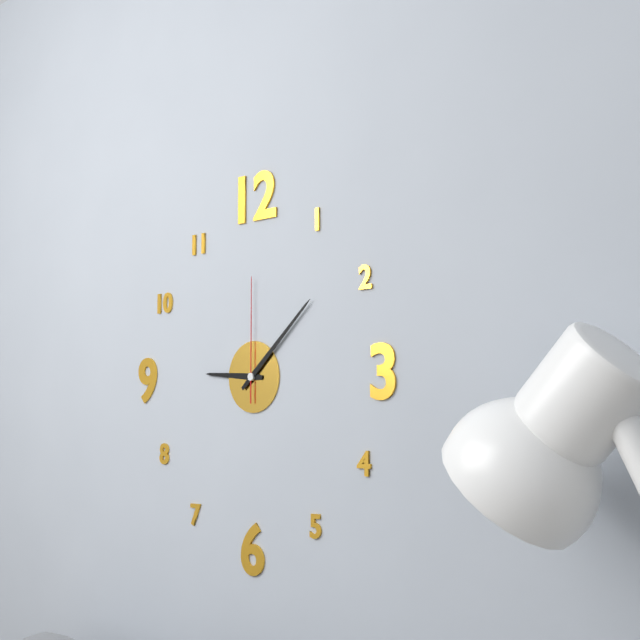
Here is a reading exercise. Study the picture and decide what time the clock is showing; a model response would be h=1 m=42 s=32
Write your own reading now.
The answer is h=9 m=8 s=0
